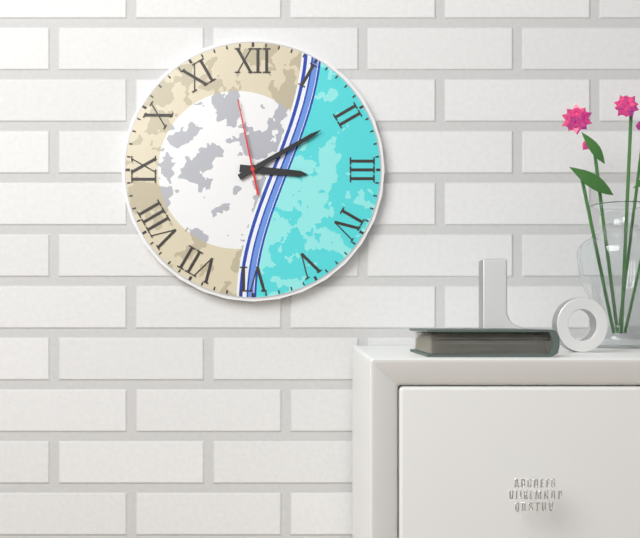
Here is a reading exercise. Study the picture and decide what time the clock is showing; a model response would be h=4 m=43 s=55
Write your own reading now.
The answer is h=3 m=10 s=58
